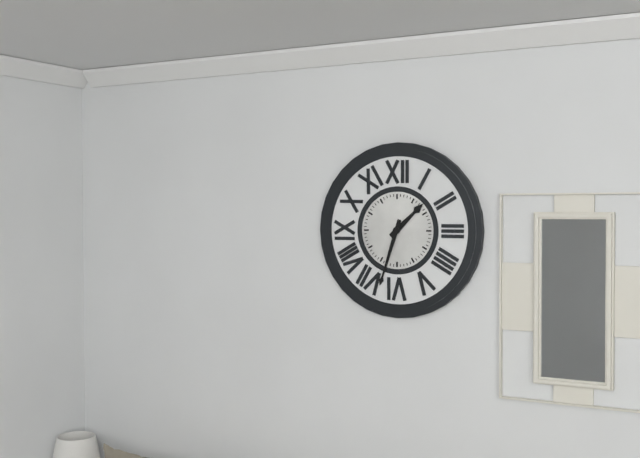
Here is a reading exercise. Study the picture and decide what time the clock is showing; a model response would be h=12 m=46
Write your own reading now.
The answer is h=1 m=33
